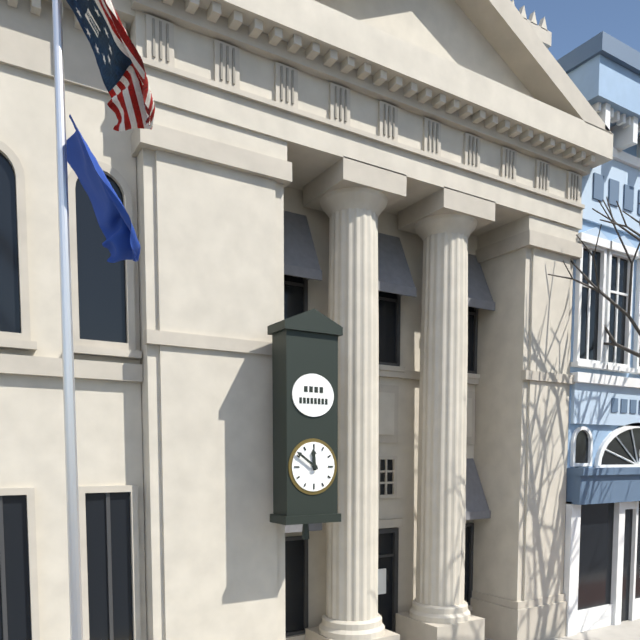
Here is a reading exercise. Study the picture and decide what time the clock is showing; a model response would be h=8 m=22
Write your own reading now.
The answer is h=11 m=51
